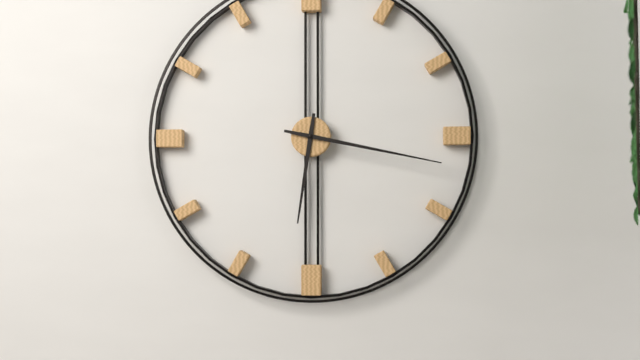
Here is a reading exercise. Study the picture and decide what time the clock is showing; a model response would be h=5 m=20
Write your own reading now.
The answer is h=6 m=17
